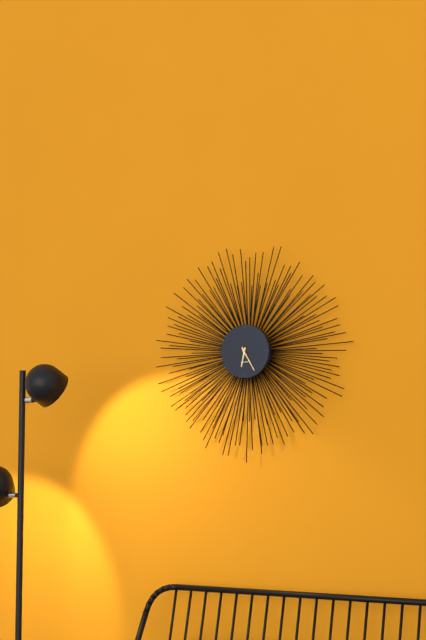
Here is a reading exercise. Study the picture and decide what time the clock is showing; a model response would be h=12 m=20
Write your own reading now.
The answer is h=6 m=25
